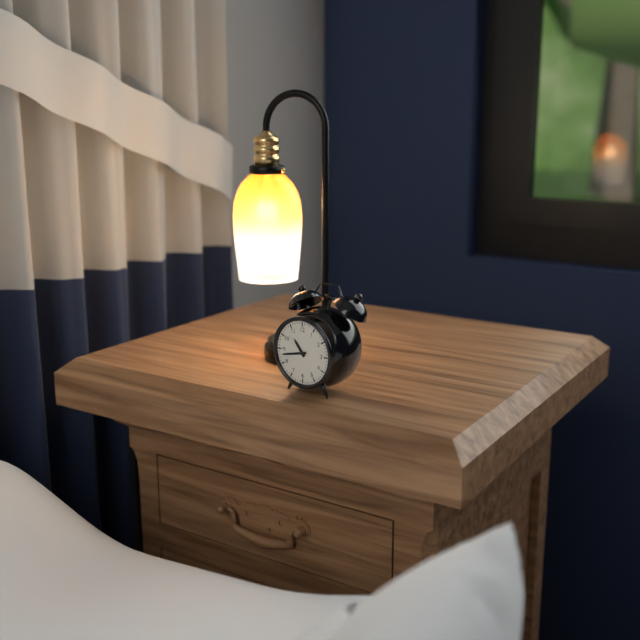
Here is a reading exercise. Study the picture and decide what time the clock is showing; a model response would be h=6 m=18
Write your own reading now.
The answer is h=10 m=43
